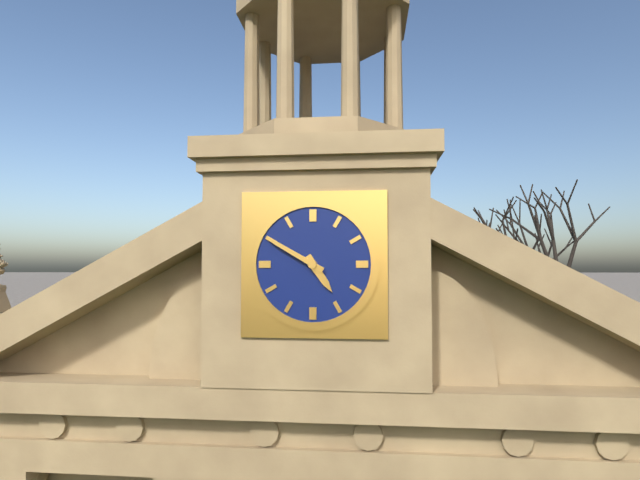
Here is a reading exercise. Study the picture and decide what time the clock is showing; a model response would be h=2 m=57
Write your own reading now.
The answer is h=4 m=50
